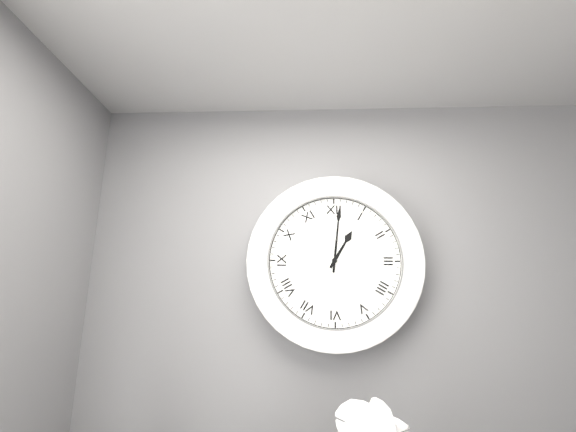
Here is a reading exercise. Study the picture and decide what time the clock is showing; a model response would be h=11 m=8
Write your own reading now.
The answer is h=1 m=1
